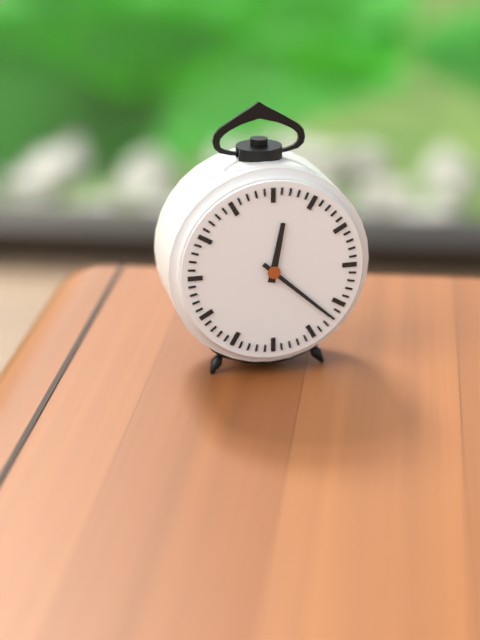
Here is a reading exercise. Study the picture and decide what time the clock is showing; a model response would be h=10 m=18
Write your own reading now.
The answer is h=12 m=22
